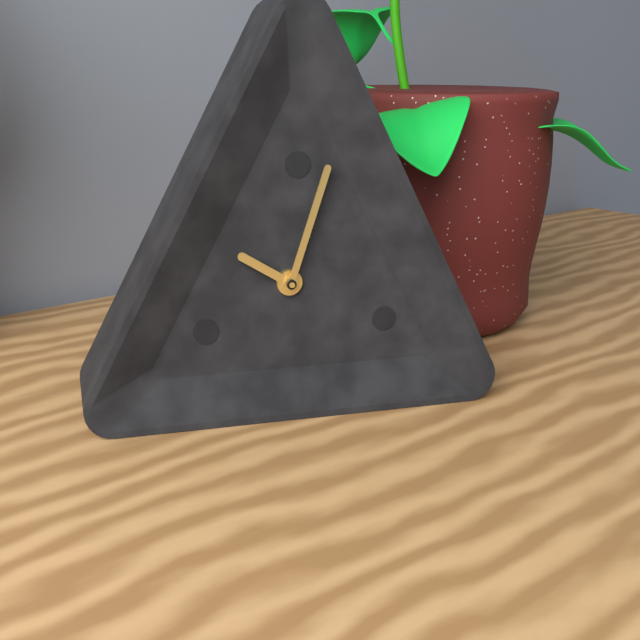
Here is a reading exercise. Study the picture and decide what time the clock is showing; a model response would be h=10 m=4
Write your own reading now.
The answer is h=10 m=3
